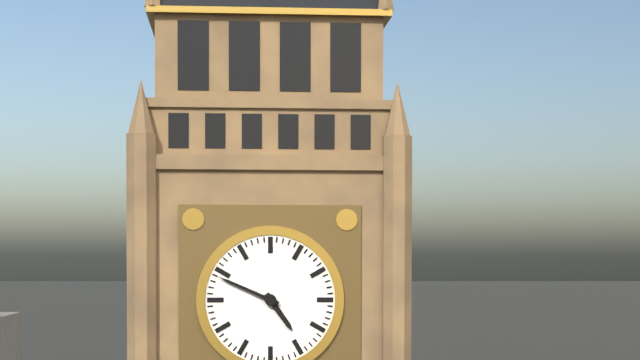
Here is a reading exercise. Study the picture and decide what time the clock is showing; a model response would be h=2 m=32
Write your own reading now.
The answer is h=4 m=49
